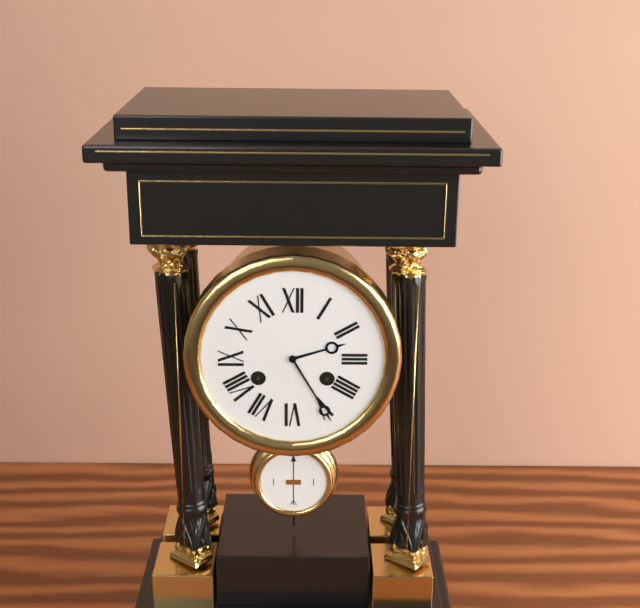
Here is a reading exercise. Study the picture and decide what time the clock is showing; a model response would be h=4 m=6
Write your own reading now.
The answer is h=2 m=25
